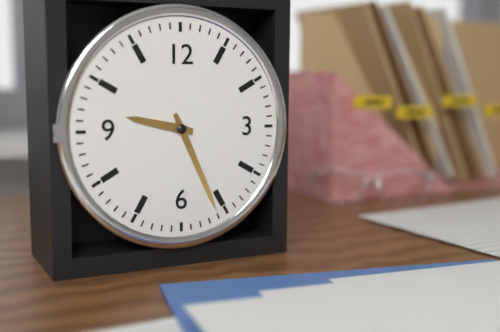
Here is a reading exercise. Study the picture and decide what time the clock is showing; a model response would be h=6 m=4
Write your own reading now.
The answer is h=9 m=26
